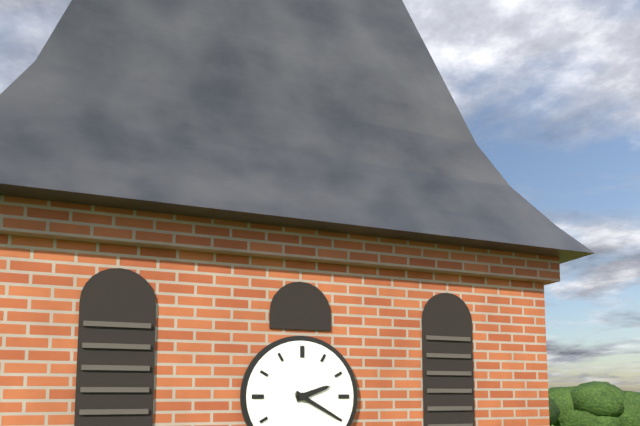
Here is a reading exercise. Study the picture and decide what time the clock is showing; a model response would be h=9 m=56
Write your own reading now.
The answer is h=2 m=20
